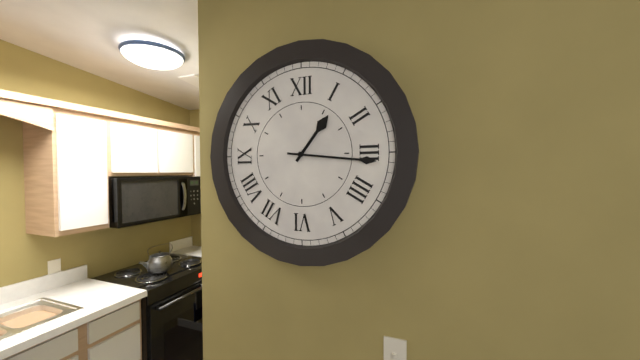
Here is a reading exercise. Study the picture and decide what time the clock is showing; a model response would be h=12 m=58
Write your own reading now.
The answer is h=1 m=16
